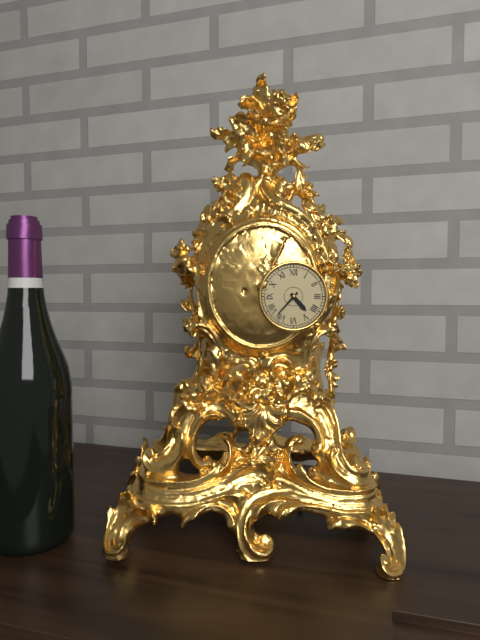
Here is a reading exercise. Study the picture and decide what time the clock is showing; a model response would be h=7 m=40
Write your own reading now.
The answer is h=4 m=37
